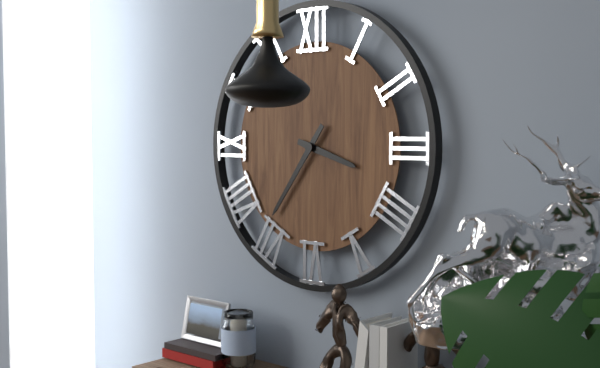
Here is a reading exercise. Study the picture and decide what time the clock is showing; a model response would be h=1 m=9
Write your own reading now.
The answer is h=3 m=36
